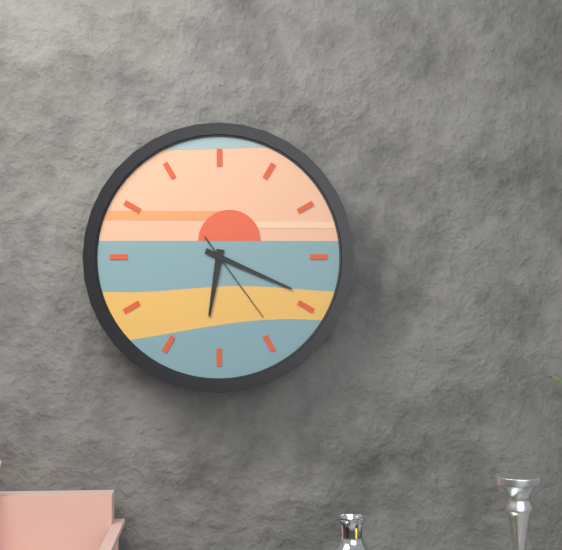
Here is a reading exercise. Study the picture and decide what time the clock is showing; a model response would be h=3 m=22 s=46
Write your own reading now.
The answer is h=6 m=19 s=24
